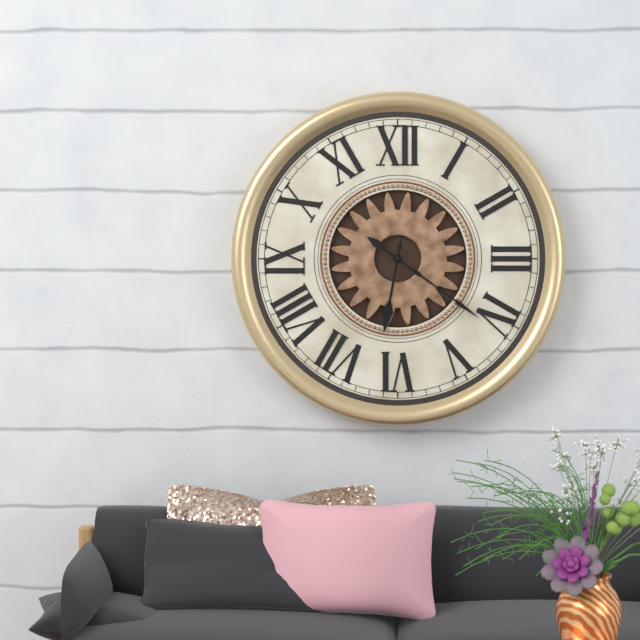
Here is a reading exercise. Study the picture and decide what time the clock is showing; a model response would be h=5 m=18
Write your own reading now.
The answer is h=6 m=21
